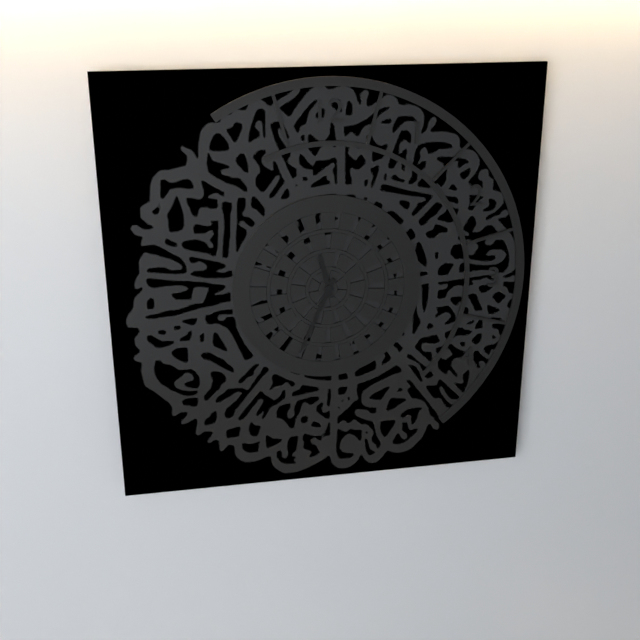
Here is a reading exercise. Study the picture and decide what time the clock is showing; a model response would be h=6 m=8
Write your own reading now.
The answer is h=11 m=34
